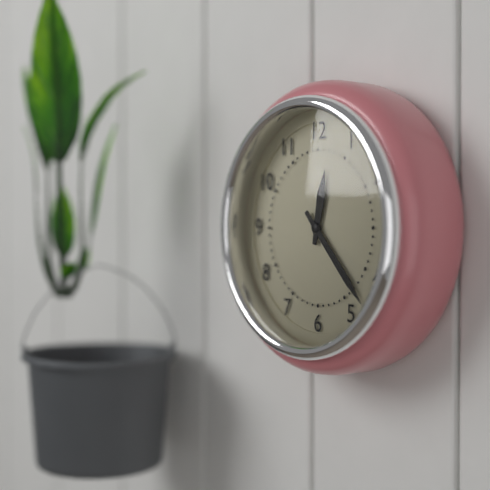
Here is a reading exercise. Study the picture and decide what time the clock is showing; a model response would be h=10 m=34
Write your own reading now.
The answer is h=12 m=23
